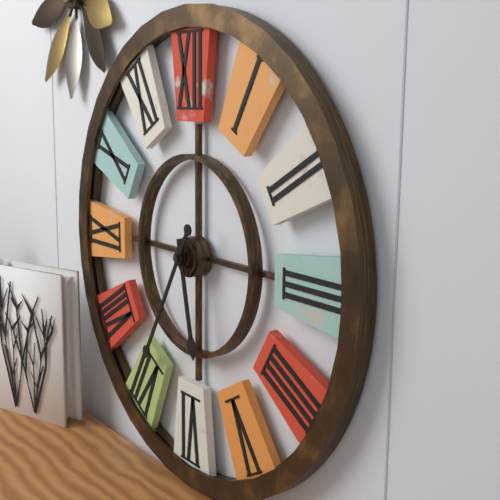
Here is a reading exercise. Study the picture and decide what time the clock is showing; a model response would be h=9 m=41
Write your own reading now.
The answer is h=5 m=35
